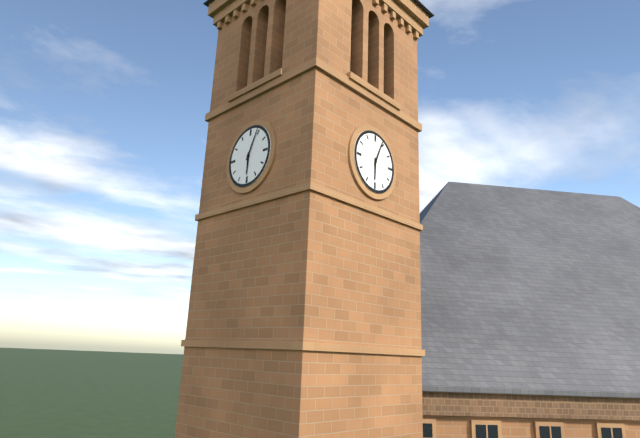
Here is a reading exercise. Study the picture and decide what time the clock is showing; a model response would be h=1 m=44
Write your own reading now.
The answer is h=6 m=4
